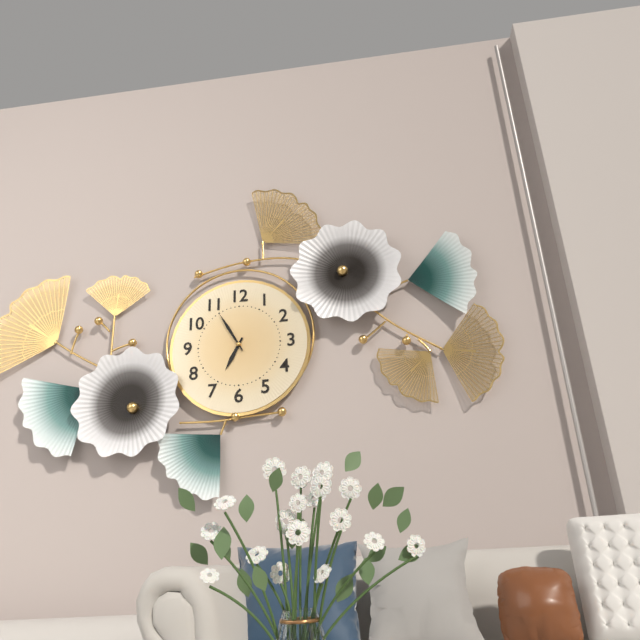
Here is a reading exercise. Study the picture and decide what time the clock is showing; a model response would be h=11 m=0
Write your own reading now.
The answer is h=6 m=55
